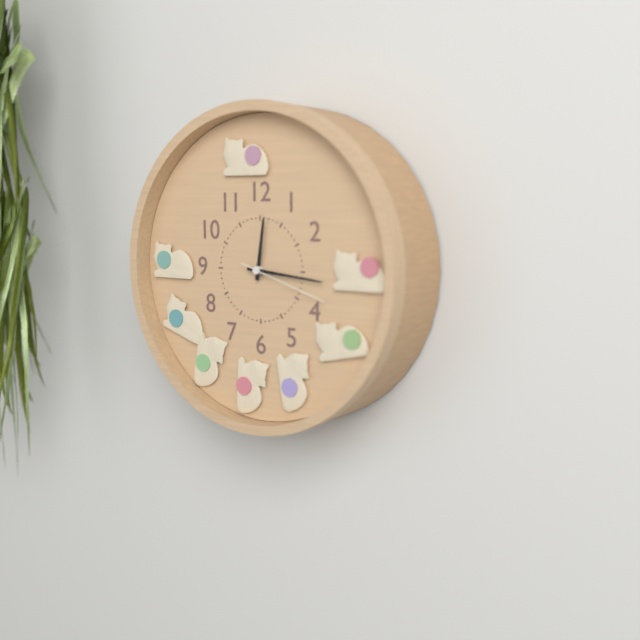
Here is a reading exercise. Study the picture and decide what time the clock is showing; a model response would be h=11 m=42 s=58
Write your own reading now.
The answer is h=12 m=16 s=18
